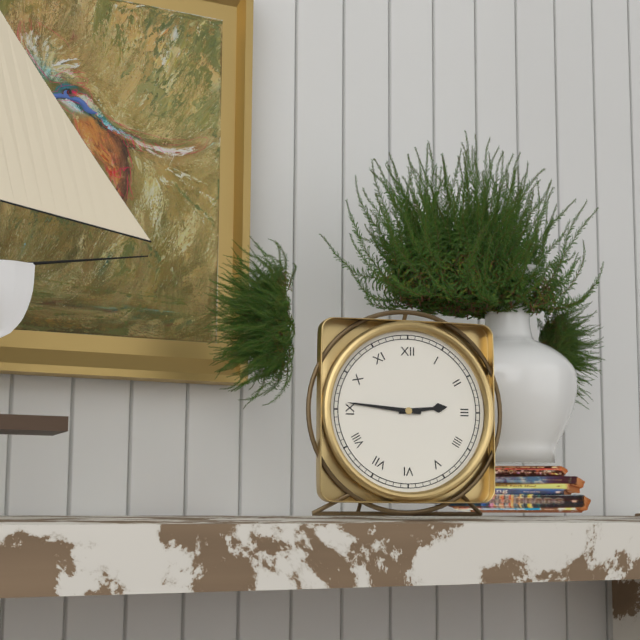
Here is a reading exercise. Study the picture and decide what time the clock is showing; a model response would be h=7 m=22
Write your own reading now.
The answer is h=2 m=46
